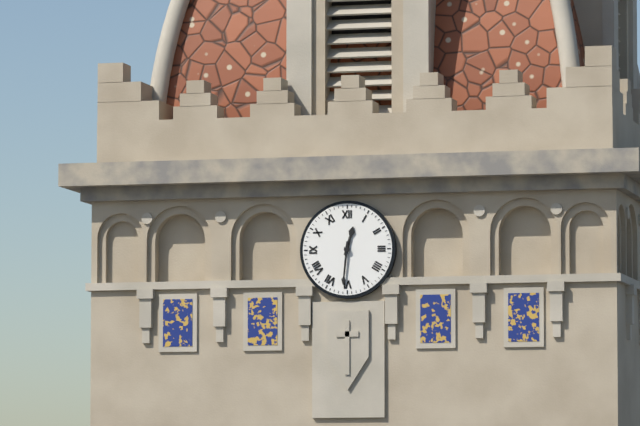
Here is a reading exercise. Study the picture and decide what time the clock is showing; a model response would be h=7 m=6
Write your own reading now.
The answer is h=12 m=31
